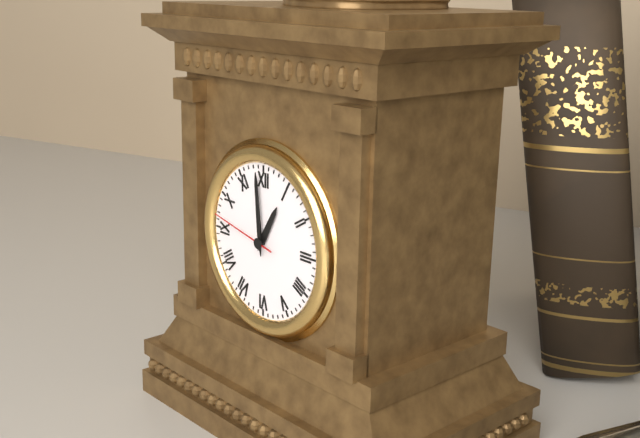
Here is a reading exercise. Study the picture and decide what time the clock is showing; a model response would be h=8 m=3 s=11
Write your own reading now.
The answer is h=12 m=59 s=47
